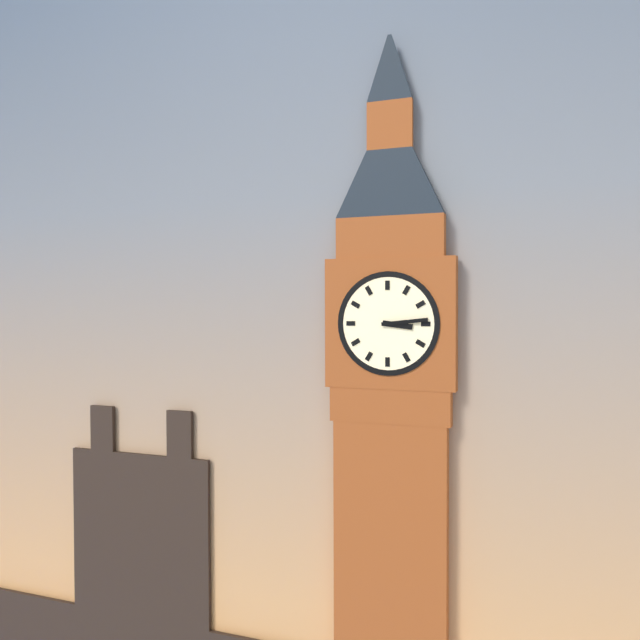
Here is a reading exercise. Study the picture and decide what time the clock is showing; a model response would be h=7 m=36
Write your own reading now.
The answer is h=3 m=14
